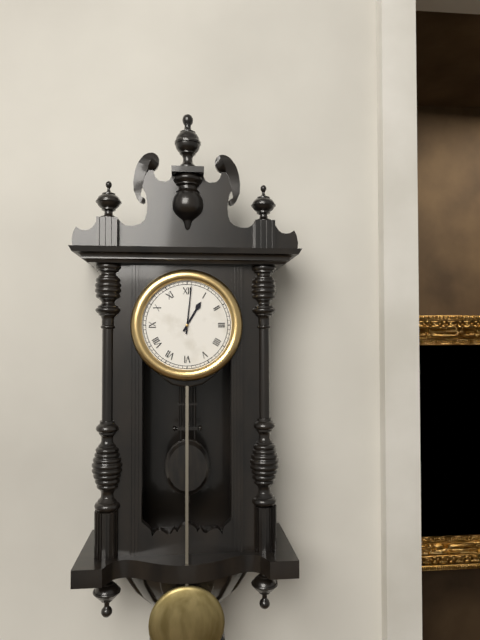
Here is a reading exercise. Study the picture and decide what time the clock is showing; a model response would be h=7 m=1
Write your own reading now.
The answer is h=1 m=1
